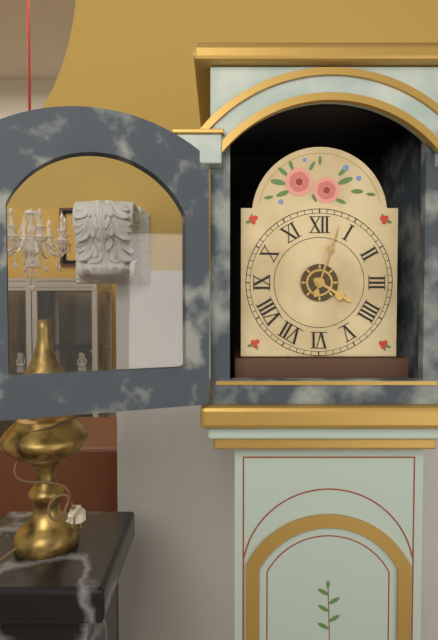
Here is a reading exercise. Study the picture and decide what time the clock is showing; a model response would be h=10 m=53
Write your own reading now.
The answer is h=4 m=3
